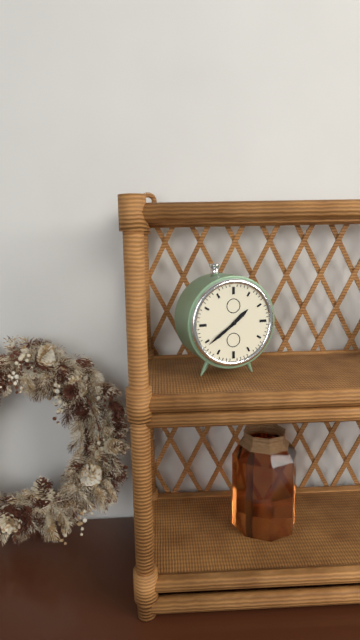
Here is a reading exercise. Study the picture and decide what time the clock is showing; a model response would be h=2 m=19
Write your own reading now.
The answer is h=1 m=39
